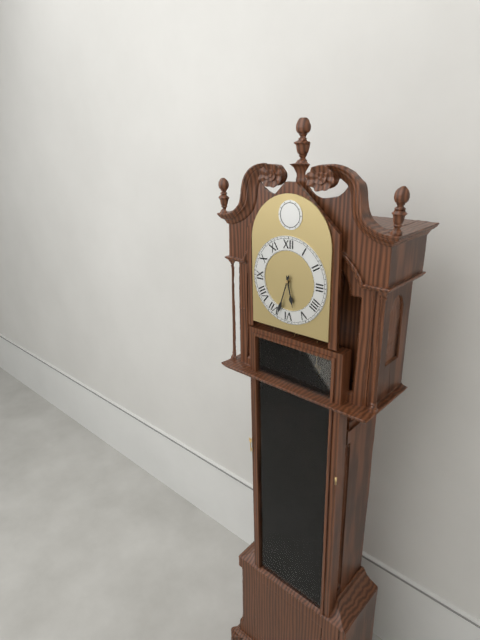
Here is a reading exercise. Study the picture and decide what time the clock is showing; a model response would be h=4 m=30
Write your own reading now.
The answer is h=5 m=33
